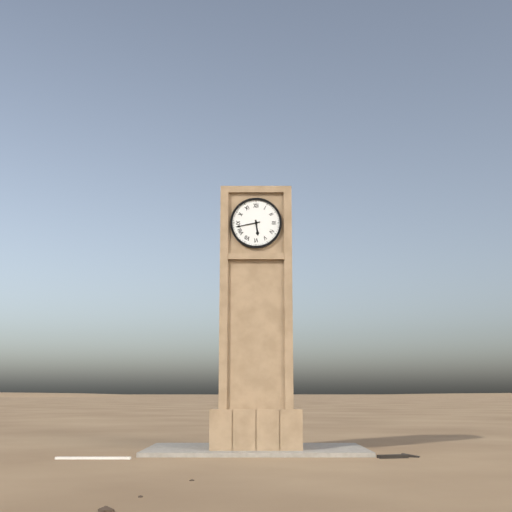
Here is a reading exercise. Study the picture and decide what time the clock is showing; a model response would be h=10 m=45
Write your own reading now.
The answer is h=5 m=43
